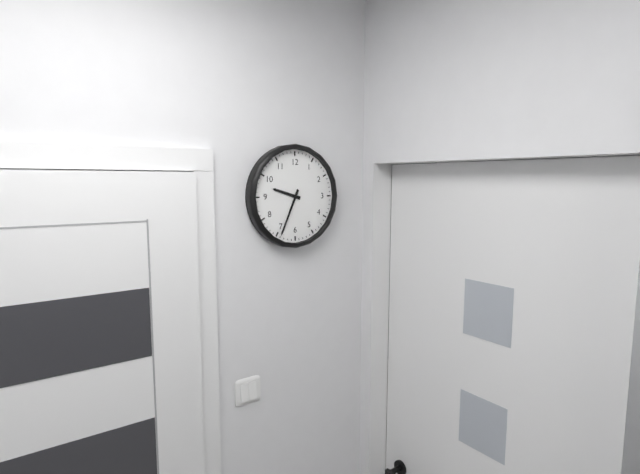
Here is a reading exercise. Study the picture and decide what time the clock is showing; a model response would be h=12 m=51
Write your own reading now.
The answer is h=9 m=34
